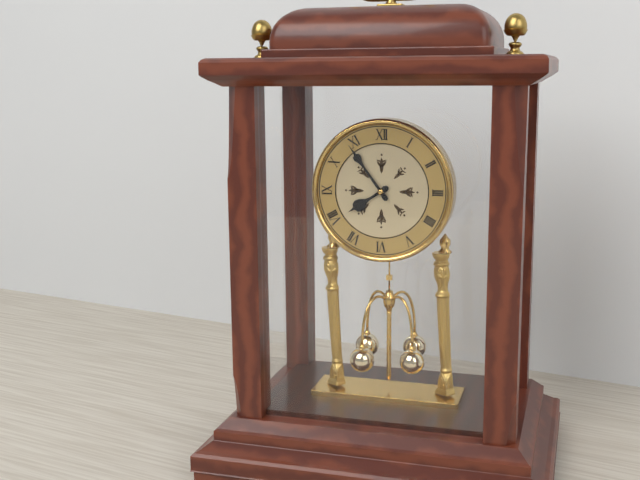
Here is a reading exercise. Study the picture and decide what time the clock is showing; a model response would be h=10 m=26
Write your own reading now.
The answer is h=7 m=54
